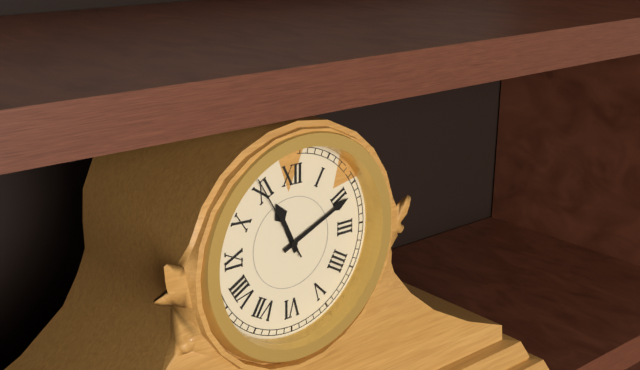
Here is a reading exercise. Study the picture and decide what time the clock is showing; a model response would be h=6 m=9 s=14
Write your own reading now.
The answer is h=11 m=11 s=55
